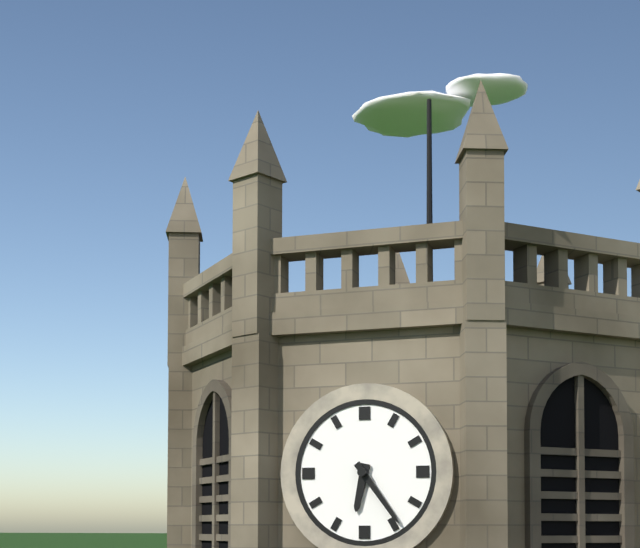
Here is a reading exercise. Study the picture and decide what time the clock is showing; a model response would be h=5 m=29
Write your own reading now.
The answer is h=6 m=24
